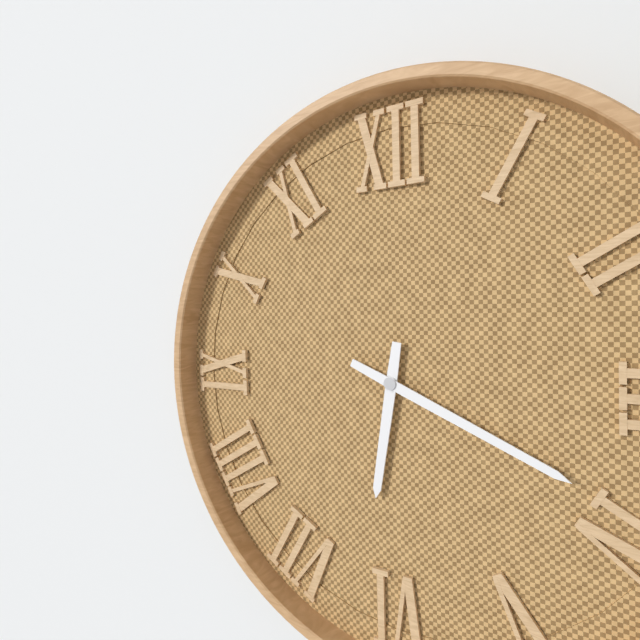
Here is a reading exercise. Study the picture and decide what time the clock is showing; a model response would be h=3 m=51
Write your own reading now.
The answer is h=6 m=19
